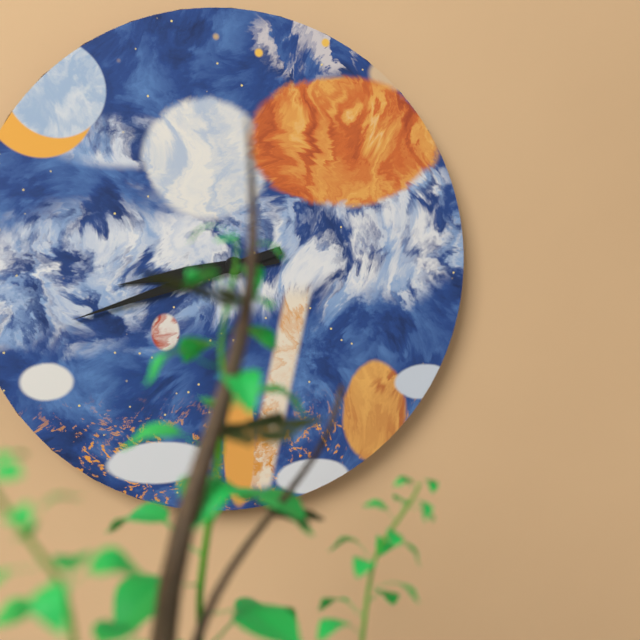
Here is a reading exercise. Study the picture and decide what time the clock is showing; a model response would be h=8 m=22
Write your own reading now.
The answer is h=8 m=42
